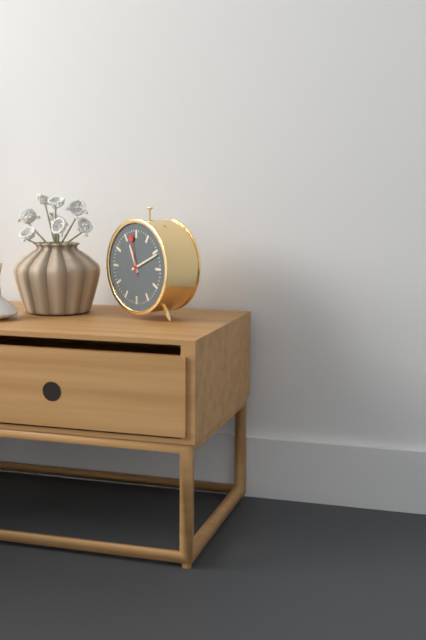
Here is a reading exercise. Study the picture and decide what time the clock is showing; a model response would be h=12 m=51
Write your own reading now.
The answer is h=11 m=11
